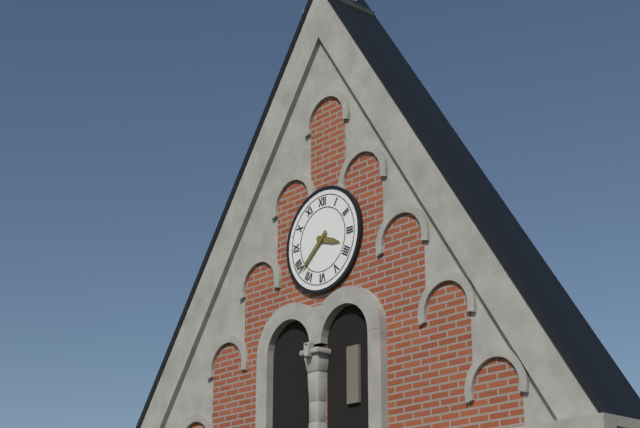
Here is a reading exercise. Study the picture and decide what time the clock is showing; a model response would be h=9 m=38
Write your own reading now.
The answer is h=3 m=38
